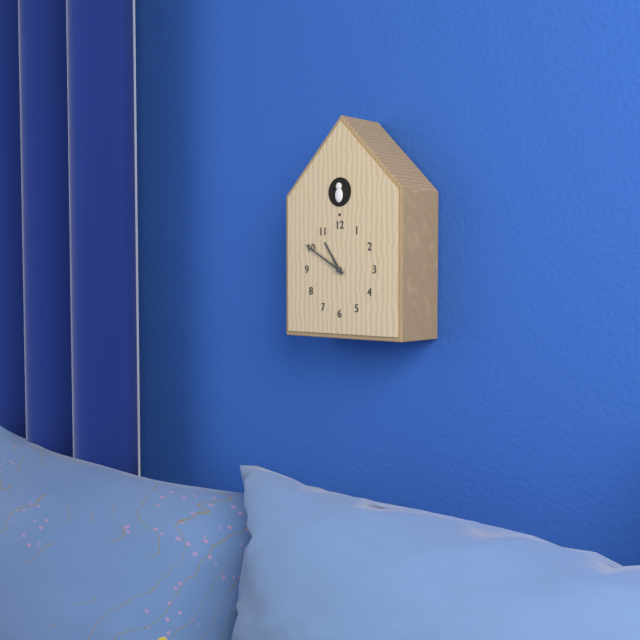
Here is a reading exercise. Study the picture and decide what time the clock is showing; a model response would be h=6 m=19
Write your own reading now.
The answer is h=10 m=50
